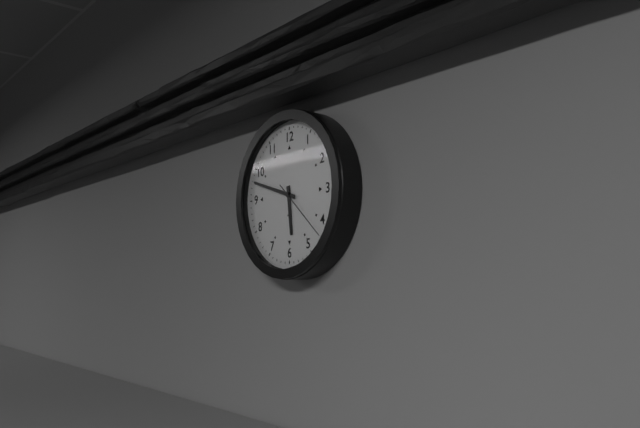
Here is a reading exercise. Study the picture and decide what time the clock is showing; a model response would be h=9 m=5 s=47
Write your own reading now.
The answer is h=5 m=48 s=22
